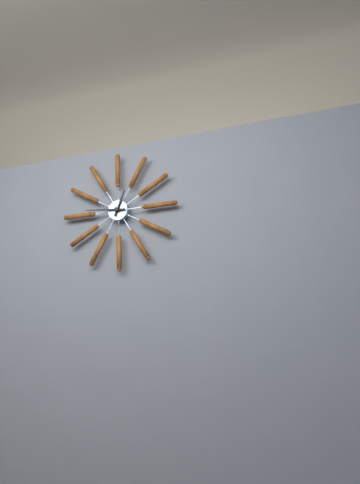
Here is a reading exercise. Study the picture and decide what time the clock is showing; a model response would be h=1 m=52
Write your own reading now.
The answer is h=12 m=46
